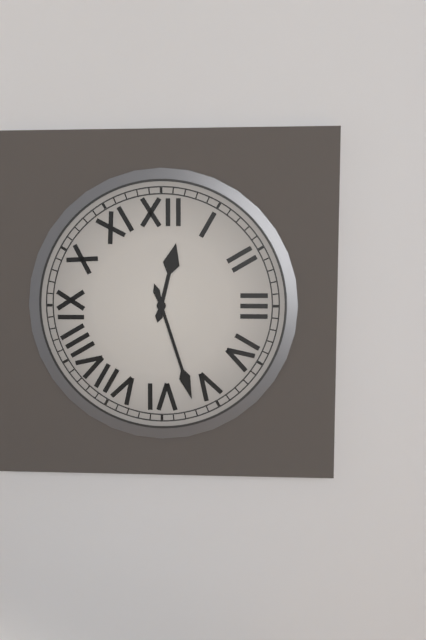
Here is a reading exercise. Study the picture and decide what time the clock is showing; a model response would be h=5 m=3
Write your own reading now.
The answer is h=12 m=27
